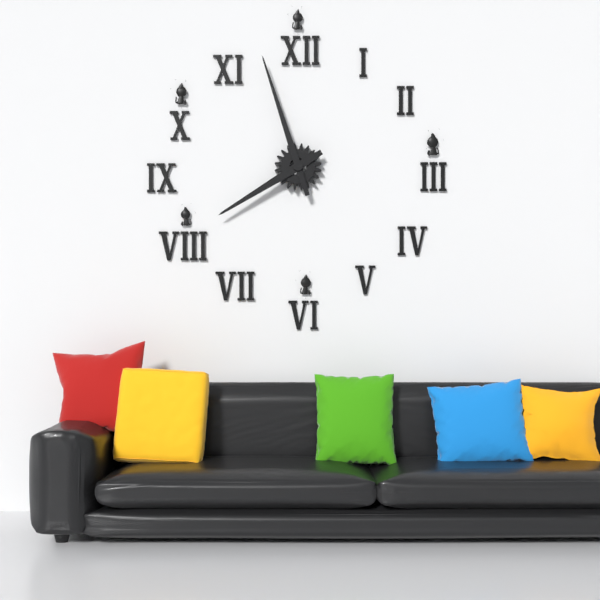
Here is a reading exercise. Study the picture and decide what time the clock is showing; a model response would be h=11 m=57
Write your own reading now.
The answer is h=7 m=57
